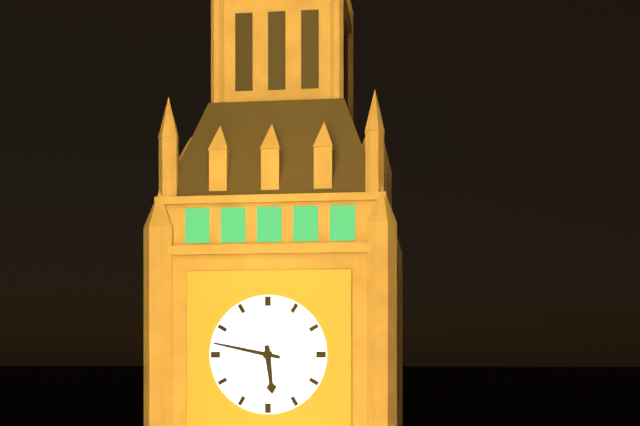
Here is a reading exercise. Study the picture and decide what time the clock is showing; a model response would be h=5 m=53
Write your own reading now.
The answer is h=5 m=47
